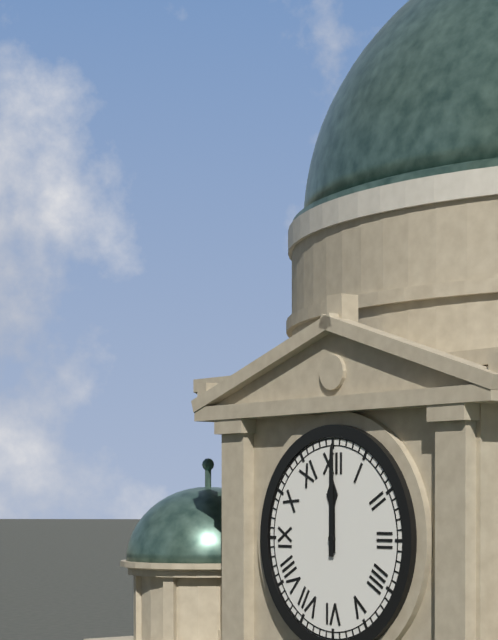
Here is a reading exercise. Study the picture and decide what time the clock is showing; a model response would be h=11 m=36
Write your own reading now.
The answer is h=12 m=0
